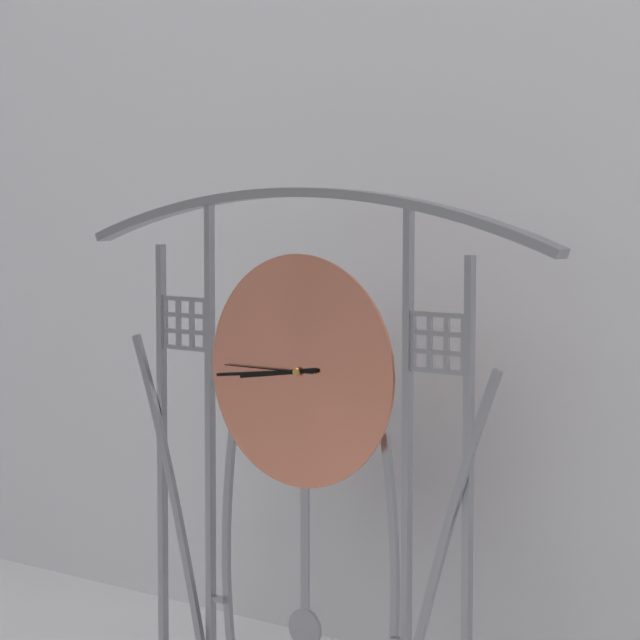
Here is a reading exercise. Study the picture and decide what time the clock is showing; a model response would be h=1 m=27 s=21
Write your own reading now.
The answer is h=8 m=44 s=45
